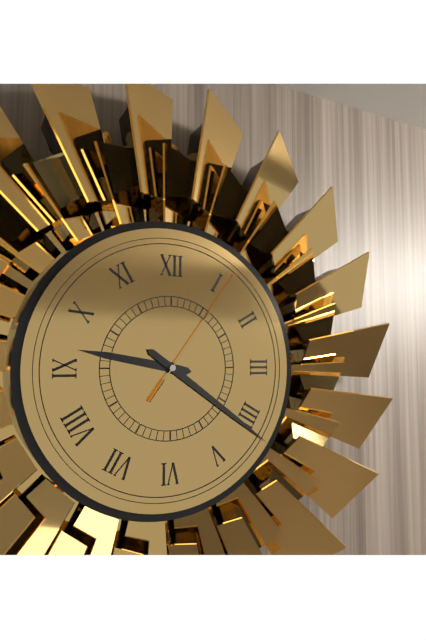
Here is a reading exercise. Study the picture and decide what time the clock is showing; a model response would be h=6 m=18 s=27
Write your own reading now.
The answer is h=9 m=21 s=6
